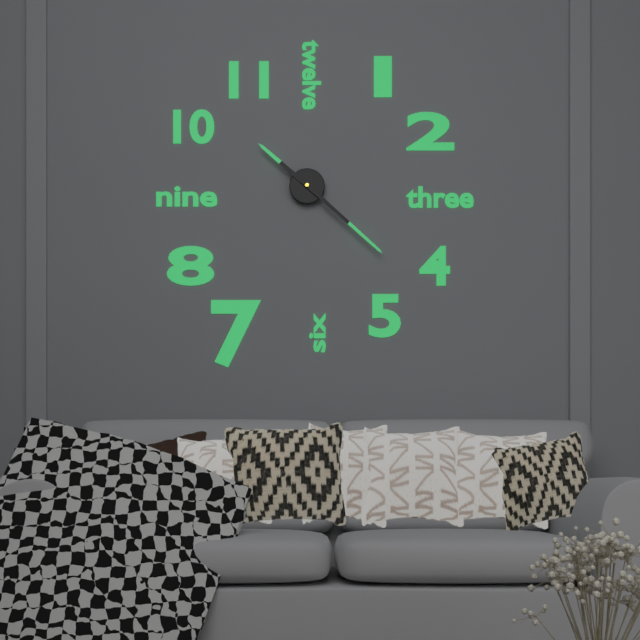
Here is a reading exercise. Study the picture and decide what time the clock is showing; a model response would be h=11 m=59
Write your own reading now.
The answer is h=10 m=22
